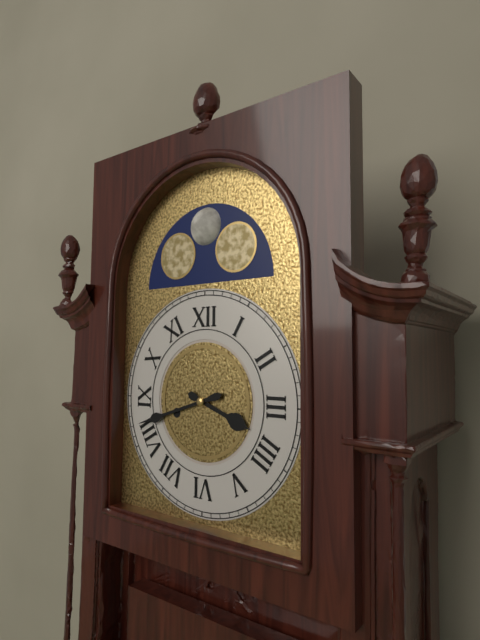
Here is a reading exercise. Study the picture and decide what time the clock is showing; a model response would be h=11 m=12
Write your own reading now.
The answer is h=3 m=42
